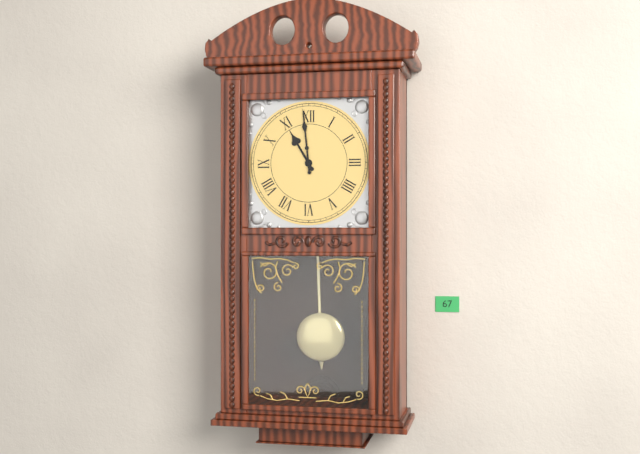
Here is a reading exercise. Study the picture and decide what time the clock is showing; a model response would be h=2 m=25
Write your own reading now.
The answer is h=10 m=59
